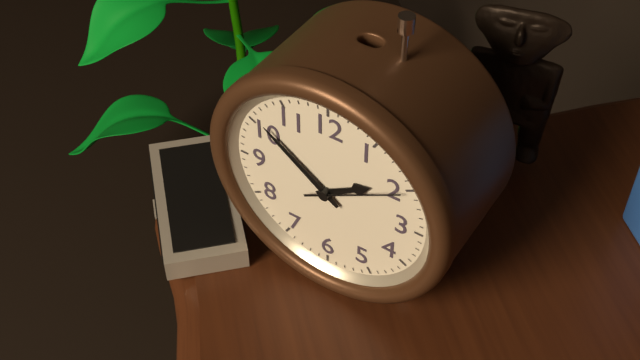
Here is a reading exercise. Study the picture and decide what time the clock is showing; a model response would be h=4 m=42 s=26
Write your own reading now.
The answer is h=1 m=51 s=10
